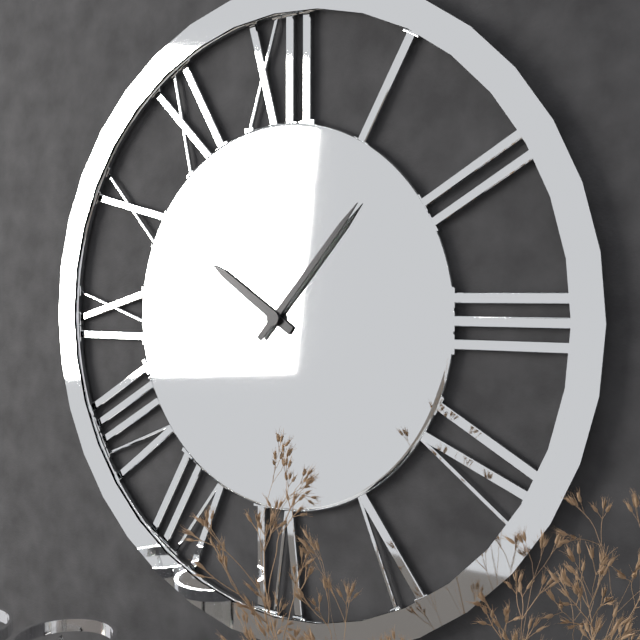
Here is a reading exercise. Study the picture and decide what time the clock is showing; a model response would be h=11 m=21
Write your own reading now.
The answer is h=10 m=7
